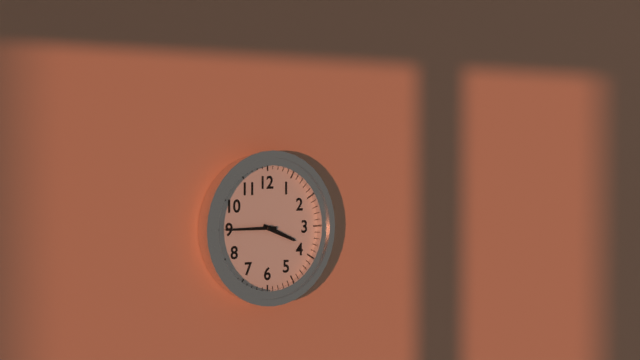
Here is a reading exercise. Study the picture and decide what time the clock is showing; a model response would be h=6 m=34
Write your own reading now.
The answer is h=3 m=45
